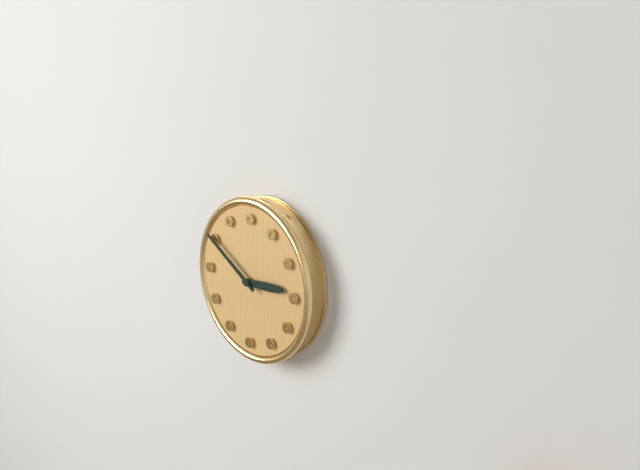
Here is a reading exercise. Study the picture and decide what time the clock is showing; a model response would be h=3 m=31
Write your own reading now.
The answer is h=2 m=50
